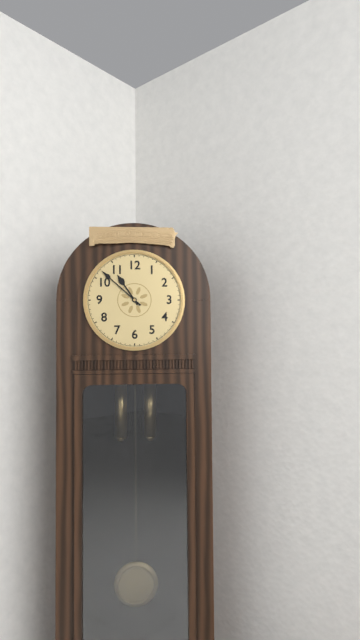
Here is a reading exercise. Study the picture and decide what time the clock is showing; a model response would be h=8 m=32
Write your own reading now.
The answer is h=10 m=52
